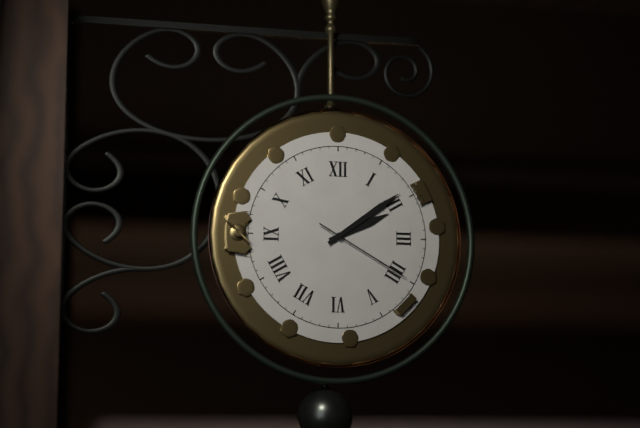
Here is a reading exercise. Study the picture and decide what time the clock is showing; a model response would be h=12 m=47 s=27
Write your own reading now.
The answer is h=2 m=9 s=20
